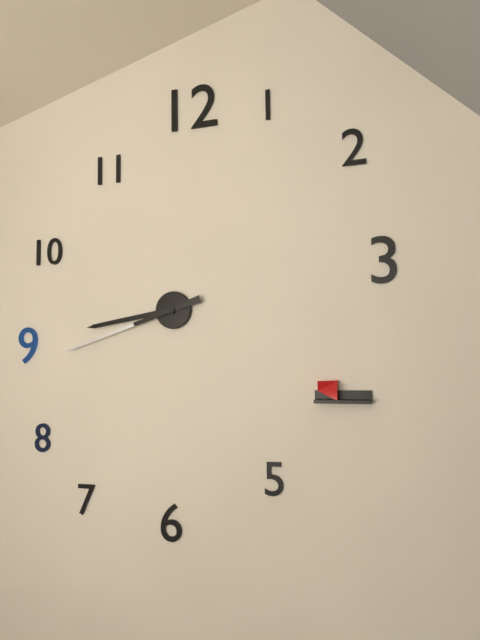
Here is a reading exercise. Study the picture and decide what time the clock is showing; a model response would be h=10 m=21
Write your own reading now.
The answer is h=8 m=42
